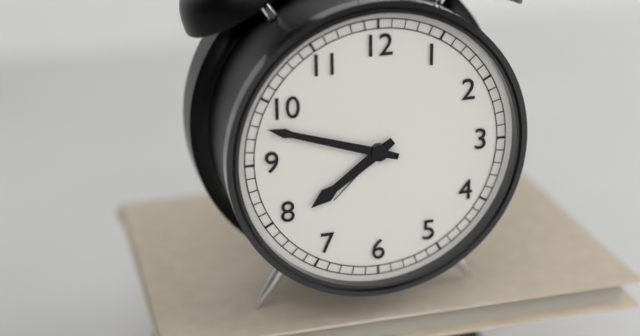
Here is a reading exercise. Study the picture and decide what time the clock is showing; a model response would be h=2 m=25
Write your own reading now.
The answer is h=7 m=48
